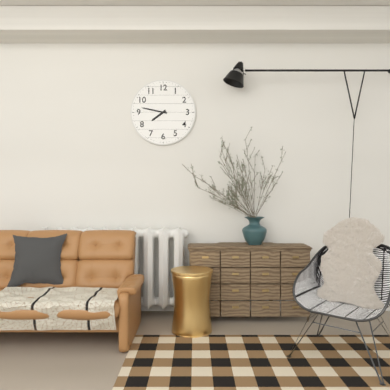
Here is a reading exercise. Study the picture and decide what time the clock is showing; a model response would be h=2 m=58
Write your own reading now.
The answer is h=7 m=47
